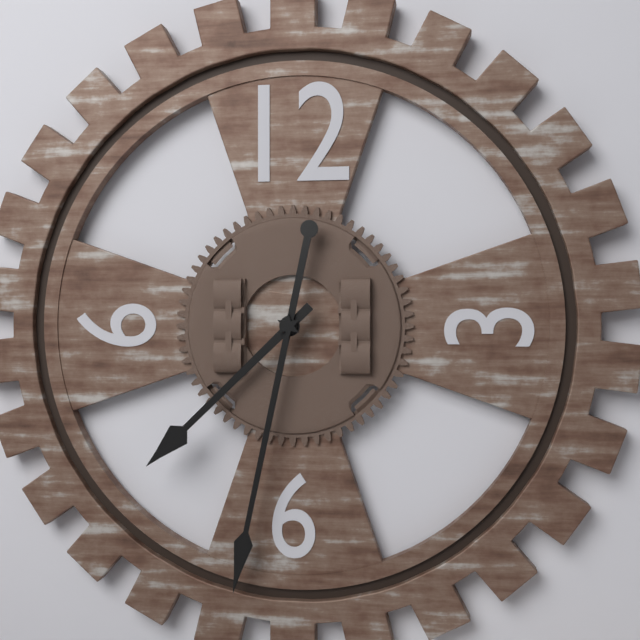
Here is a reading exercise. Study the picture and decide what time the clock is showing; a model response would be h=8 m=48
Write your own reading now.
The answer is h=7 m=32
